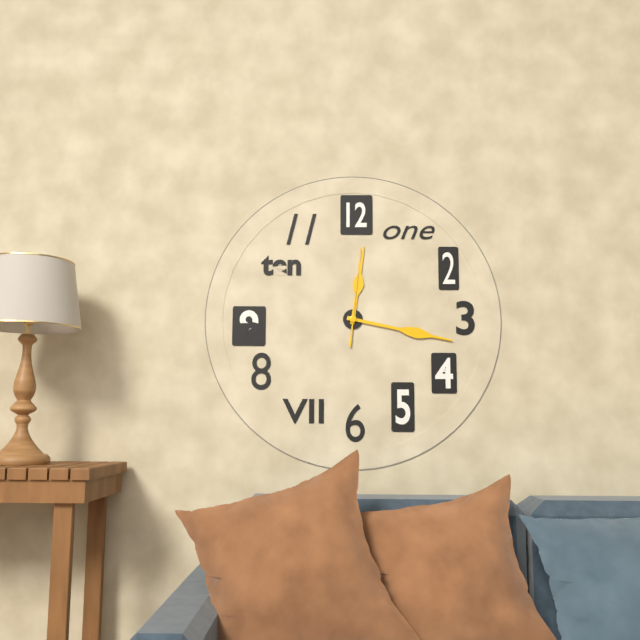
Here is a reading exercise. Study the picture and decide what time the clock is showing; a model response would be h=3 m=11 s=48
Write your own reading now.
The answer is h=12 m=17 s=1
